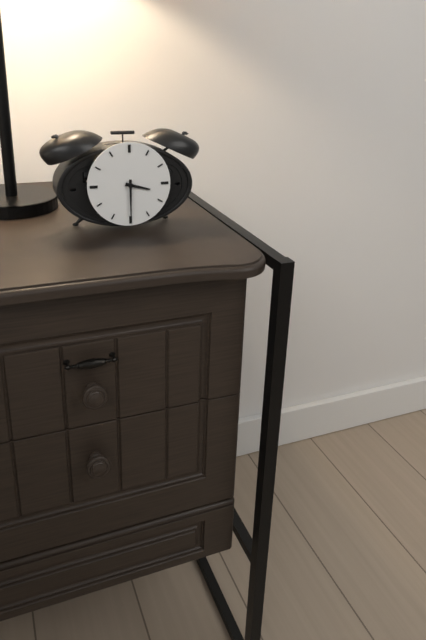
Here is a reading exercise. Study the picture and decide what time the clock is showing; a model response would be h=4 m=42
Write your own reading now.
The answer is h=3 m=30
